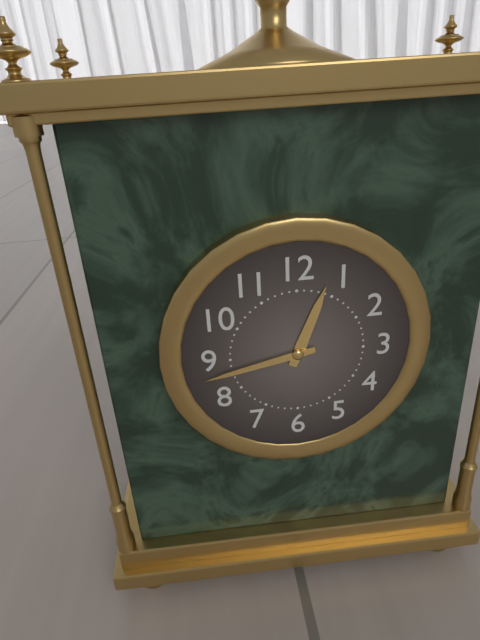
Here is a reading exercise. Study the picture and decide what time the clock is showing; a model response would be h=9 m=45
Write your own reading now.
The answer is h=12 m=43
